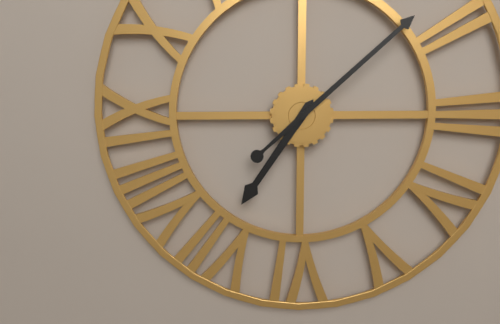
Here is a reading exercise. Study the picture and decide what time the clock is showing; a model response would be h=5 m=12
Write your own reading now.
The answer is h=7 m=8
